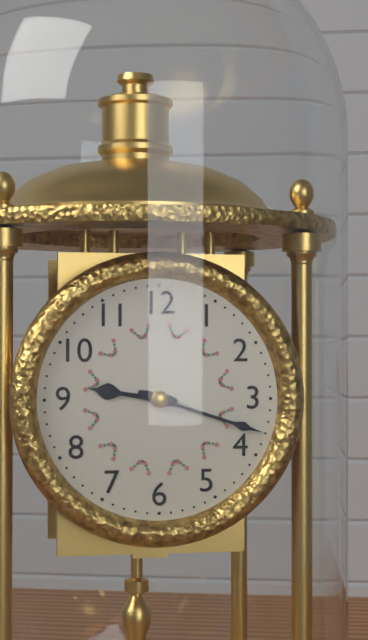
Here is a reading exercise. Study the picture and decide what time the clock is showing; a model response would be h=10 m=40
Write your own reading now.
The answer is h=9 m=18
